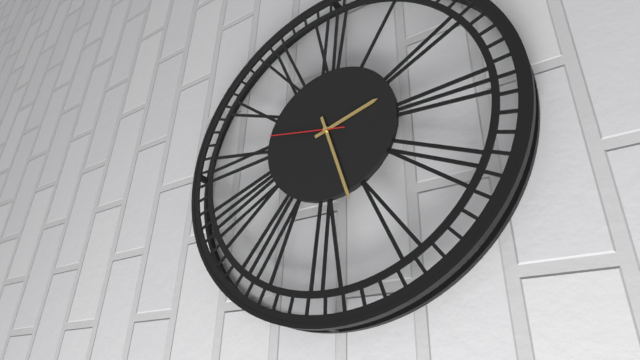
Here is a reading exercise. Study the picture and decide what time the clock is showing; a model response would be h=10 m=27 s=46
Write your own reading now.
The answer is h=2 m=27 s=47
